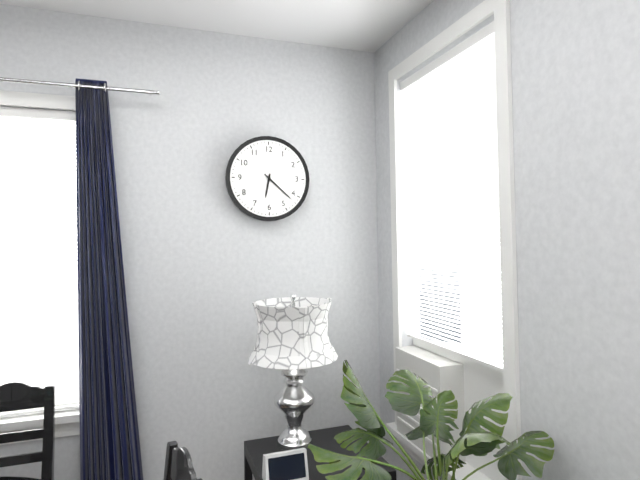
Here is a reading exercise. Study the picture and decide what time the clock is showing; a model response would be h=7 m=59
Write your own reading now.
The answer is h=6 m=22
